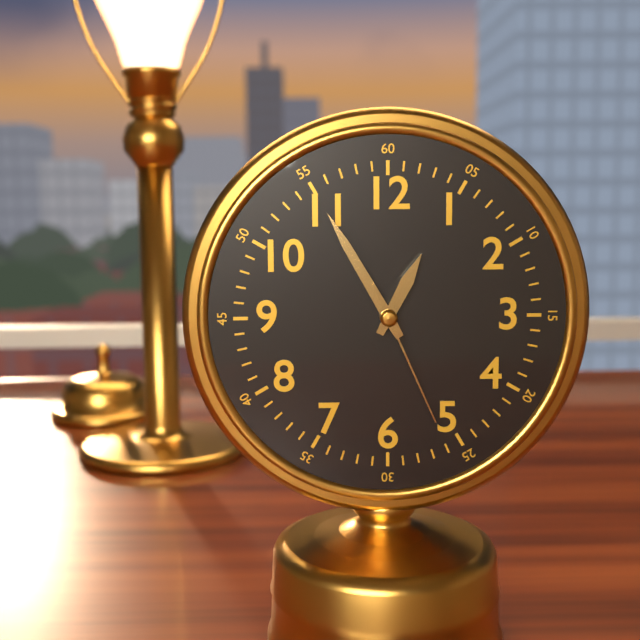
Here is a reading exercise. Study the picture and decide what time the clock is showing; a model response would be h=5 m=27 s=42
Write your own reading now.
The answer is h=12 m=55 s=26
